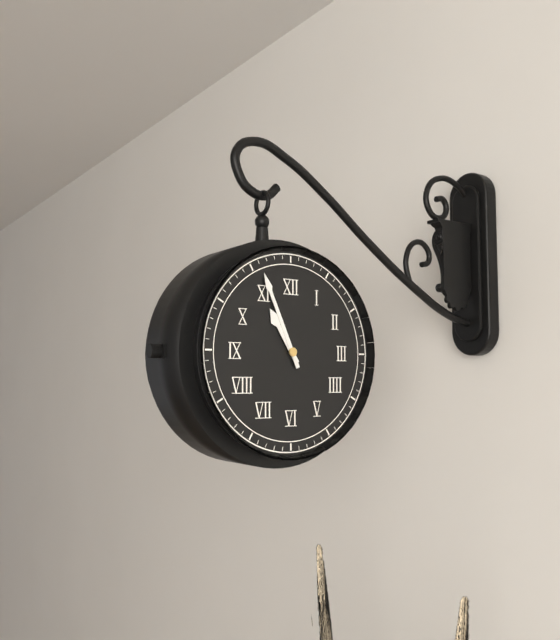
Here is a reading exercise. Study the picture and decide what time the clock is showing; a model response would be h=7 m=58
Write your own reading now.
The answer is h=10 m=56
